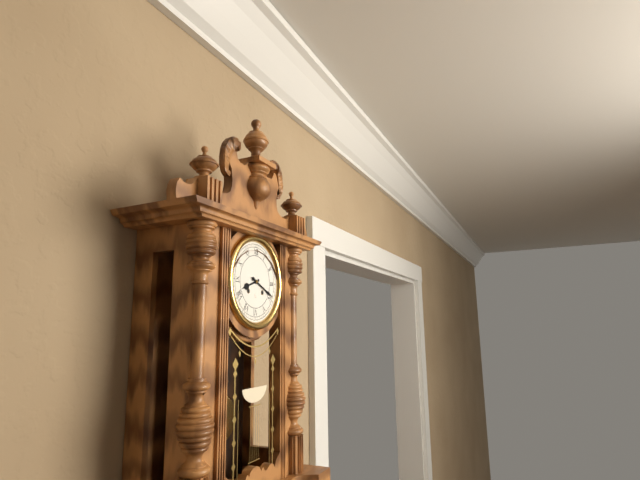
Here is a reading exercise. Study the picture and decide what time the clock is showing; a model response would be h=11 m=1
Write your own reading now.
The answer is h=8 m=19
